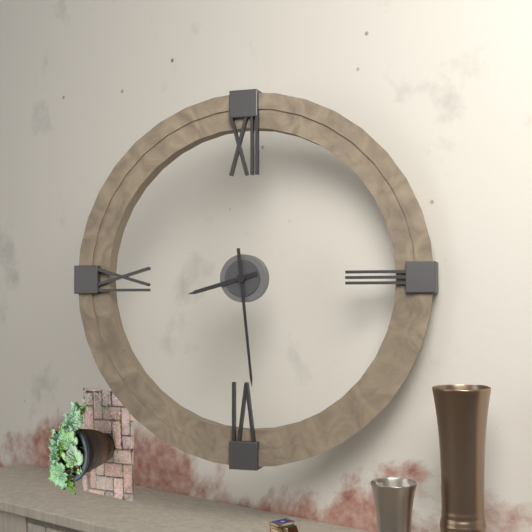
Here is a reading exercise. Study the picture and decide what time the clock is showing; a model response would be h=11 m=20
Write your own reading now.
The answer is h=8 m=29
